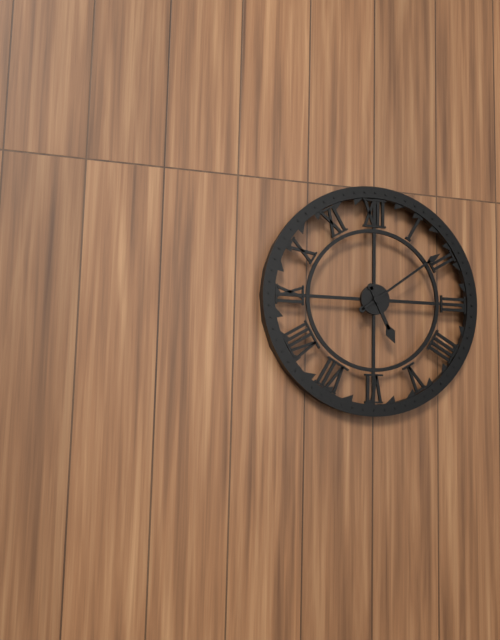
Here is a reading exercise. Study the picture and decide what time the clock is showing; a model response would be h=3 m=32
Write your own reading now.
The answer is h=5 m=9
